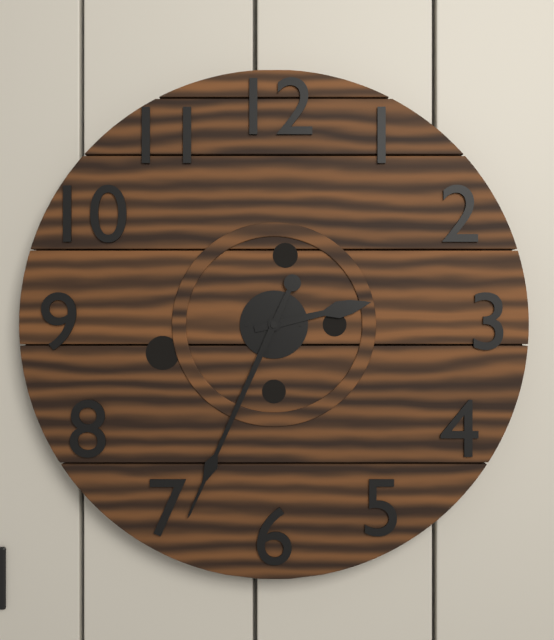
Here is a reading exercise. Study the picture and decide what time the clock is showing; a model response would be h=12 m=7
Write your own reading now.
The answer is h=2 m=34
